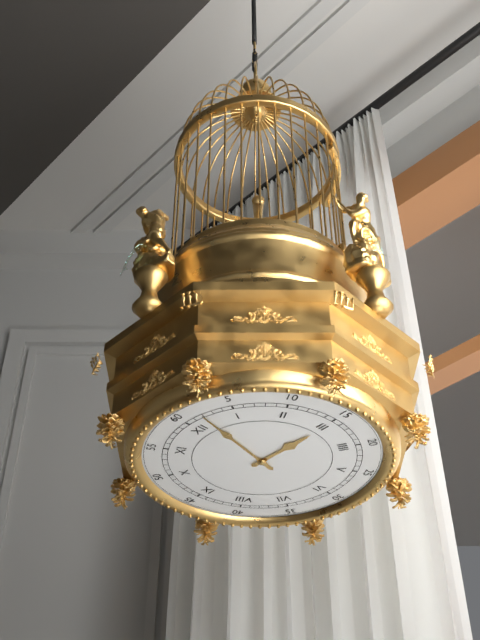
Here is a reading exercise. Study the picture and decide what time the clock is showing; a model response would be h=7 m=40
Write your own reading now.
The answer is h=3 m=2
